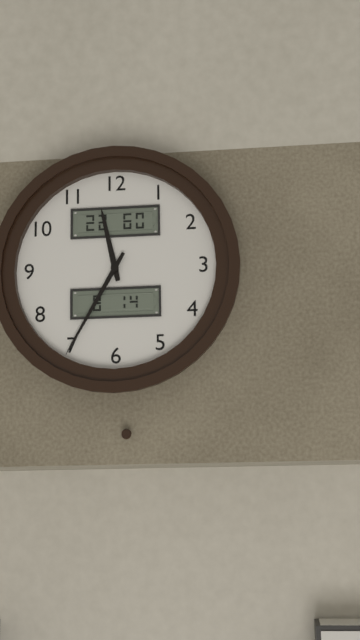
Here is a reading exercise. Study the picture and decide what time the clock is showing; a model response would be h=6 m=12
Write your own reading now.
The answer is h=11 m=35
